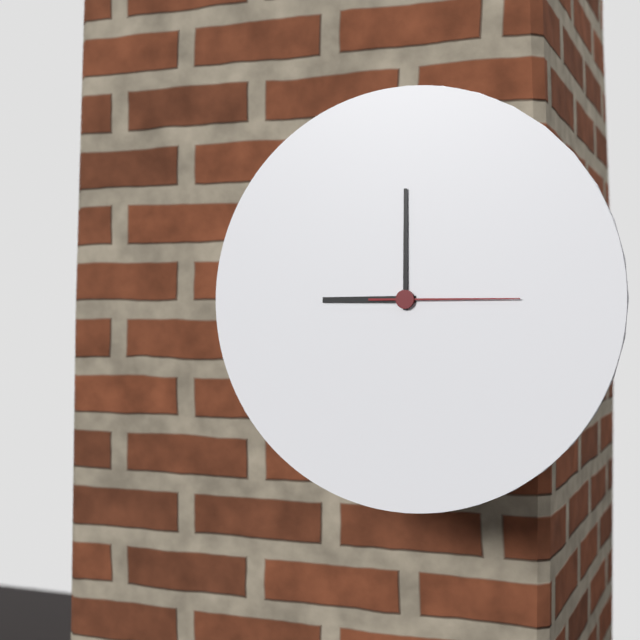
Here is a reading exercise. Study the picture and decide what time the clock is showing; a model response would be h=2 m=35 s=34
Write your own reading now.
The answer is h=9 m=0 s=15
